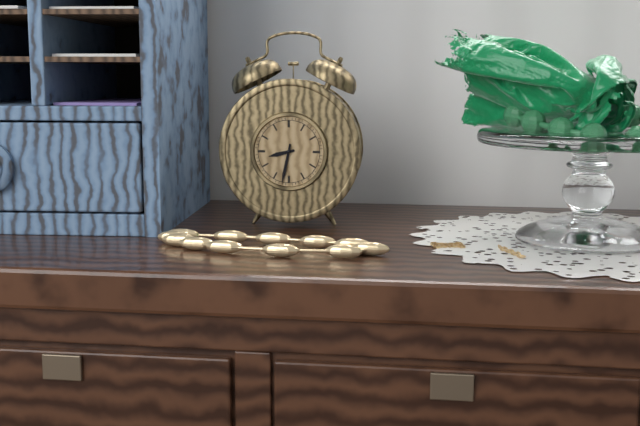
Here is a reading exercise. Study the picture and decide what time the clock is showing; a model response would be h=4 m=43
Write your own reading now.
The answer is h=8 m=32
